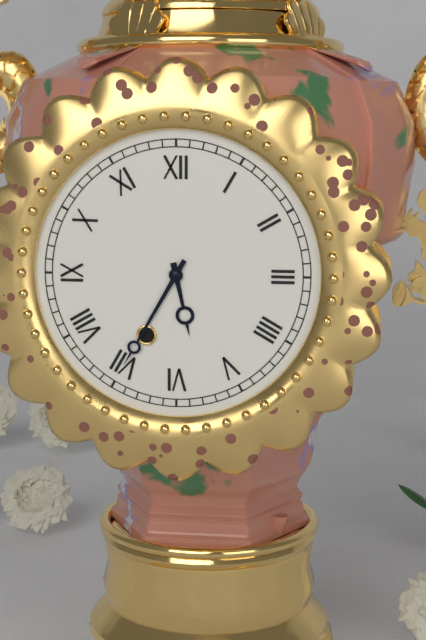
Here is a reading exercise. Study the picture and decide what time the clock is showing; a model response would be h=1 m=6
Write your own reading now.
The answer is h=5 m=35
